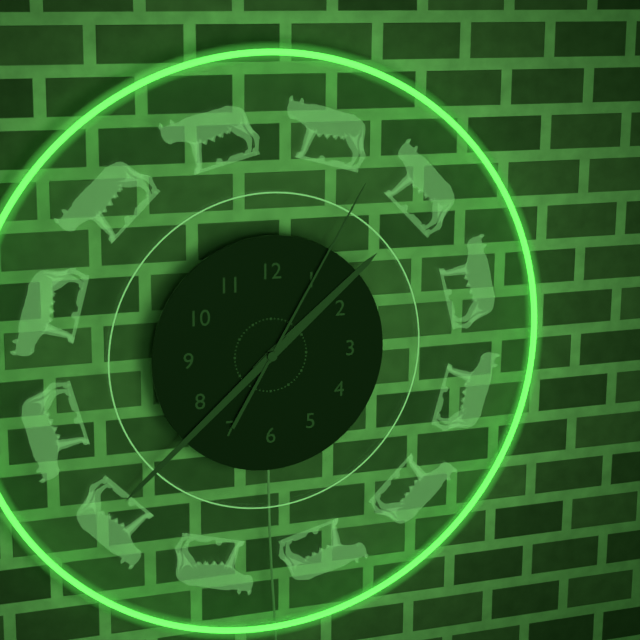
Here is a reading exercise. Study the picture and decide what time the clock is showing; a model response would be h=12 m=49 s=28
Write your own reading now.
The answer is h=1 m=38 s=5
